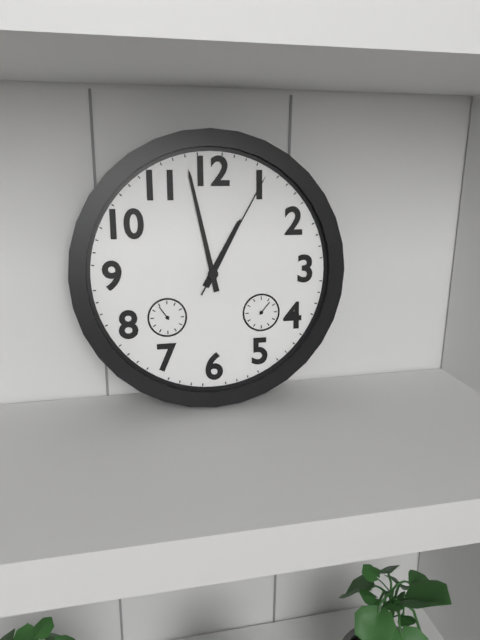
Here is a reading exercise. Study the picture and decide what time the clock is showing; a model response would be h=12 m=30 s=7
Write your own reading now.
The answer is h=12 m=58 s=5
